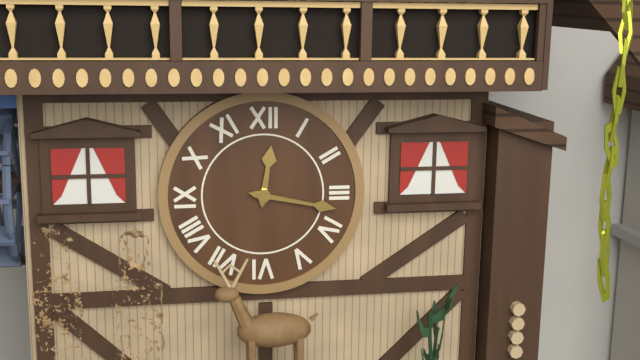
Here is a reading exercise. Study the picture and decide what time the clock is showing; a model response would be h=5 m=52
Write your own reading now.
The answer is h=12 m=17
